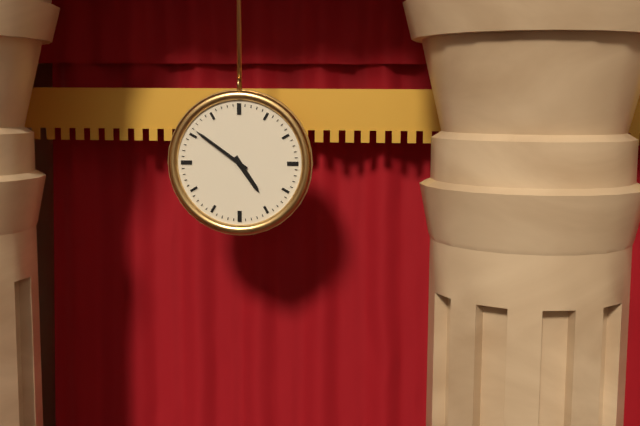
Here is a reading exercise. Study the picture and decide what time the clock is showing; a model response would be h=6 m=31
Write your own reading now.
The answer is h=4 m=51
